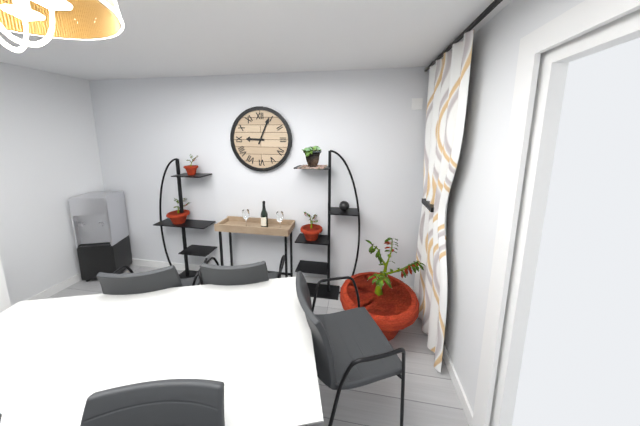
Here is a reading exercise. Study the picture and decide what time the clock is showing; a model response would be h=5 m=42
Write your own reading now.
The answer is h=9 m=4
